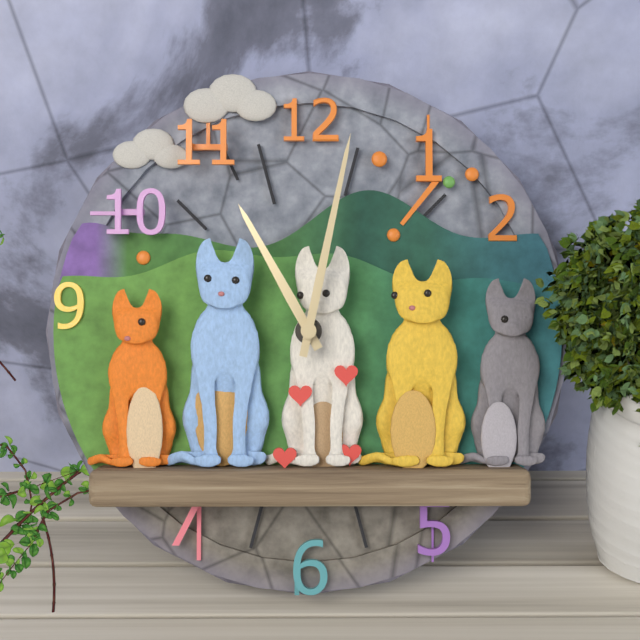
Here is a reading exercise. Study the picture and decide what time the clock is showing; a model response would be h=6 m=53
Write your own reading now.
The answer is h=11 m=2
